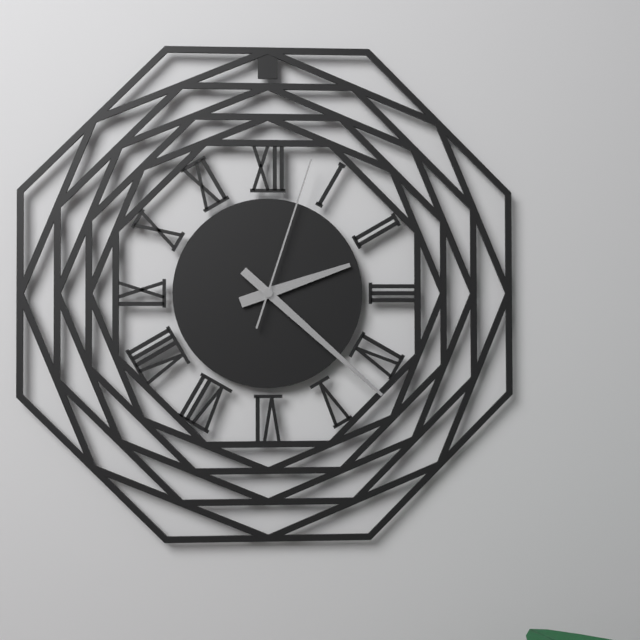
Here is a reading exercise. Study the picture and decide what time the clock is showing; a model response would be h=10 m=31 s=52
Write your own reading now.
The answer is h=2 m=22 s=3
